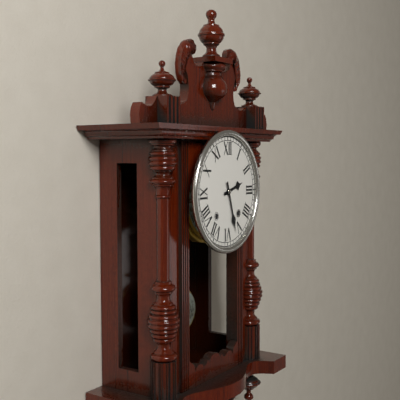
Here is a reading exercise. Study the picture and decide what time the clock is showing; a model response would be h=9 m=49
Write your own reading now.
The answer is h=2 m=27
